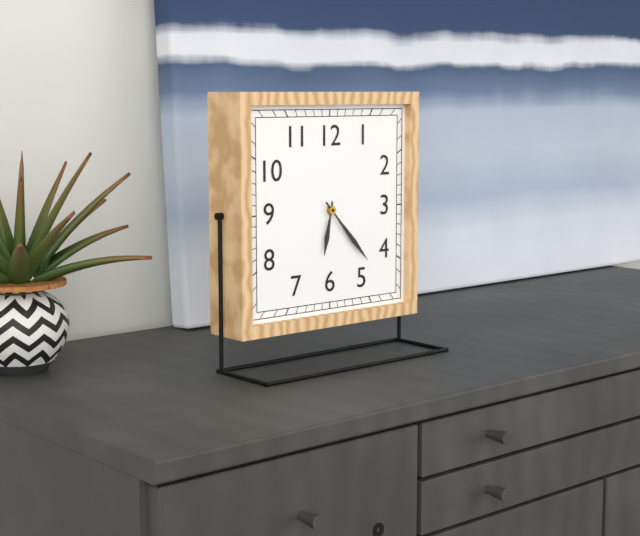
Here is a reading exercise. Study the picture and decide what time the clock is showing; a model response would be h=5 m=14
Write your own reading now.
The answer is h=6 m=23
